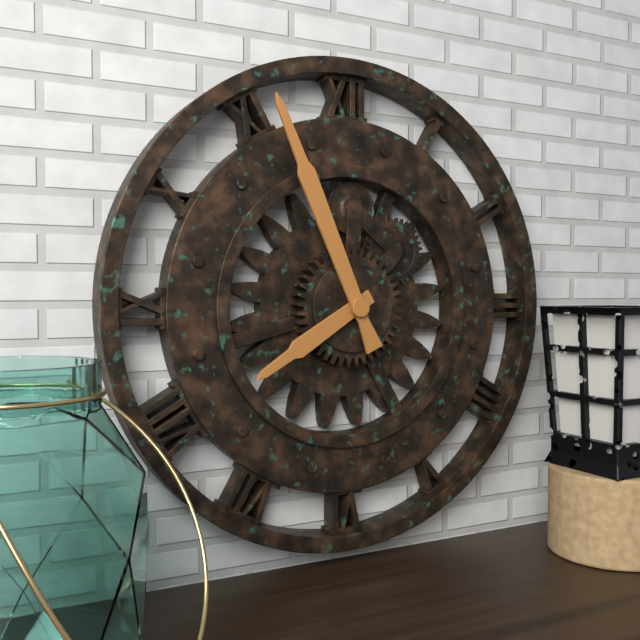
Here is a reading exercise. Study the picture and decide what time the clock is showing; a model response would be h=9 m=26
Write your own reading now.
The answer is h=7 m=56
